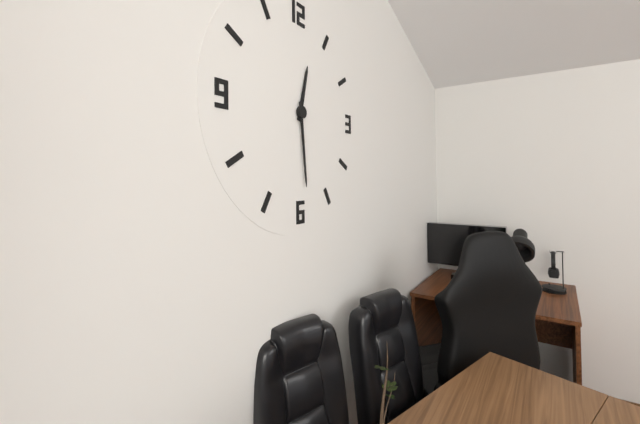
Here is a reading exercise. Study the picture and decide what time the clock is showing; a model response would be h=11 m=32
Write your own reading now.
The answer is h=12 m=29
